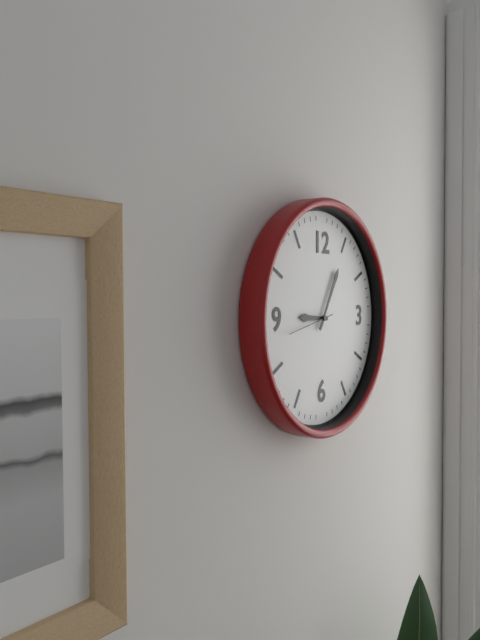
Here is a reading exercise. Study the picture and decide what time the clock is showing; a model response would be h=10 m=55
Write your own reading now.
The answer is h=9 m=5
